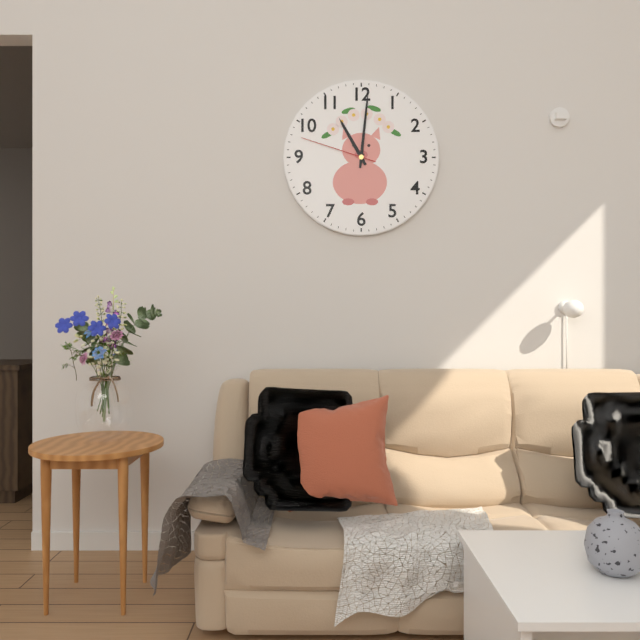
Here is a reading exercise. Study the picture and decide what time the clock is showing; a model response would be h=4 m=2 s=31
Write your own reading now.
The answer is h=11 m=1 s=48
